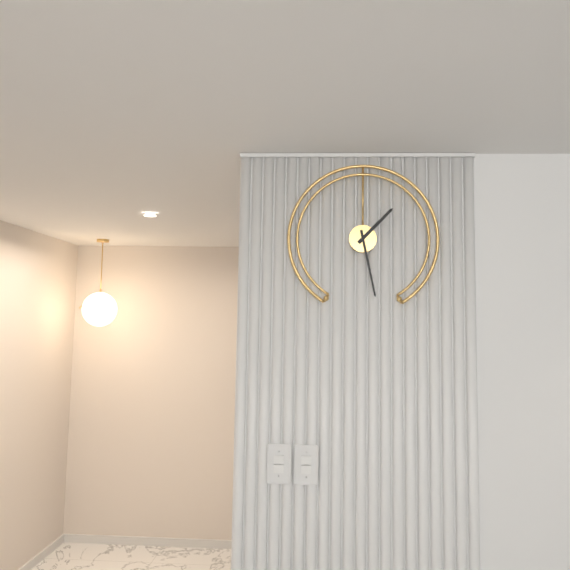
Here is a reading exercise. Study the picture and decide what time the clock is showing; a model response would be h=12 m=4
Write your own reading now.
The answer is h=1 m=28
